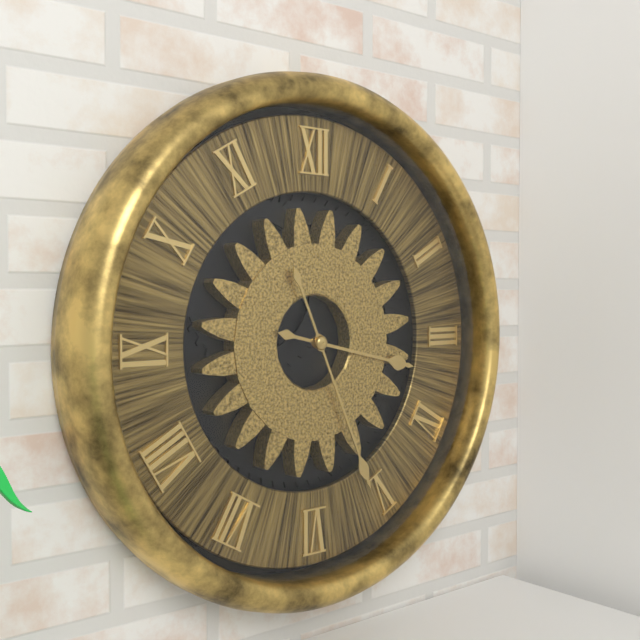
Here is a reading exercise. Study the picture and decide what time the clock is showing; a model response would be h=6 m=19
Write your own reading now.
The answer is h=3 m=26
